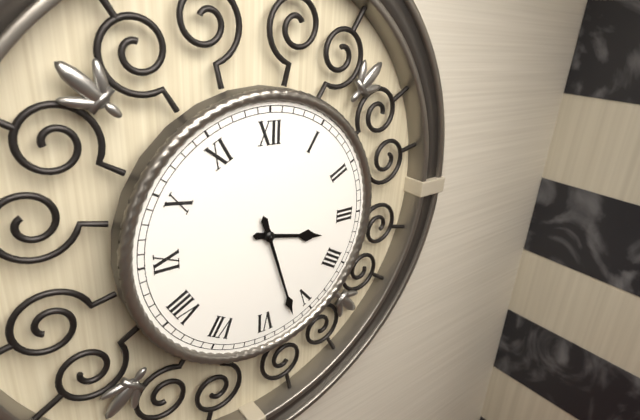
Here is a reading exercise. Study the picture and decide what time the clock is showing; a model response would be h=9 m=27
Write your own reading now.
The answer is h=3 m=27
